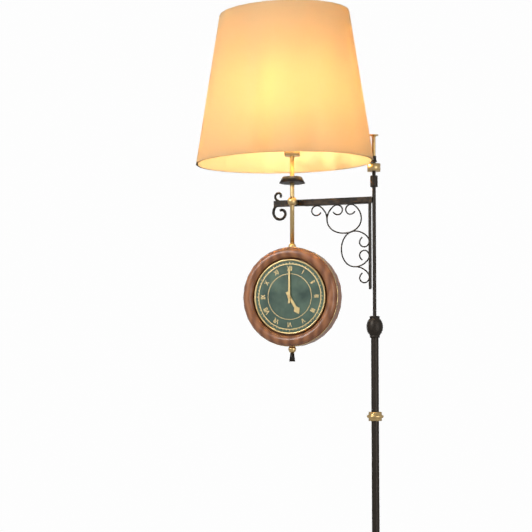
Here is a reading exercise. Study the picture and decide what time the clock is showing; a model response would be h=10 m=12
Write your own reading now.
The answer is h=5 m=0
